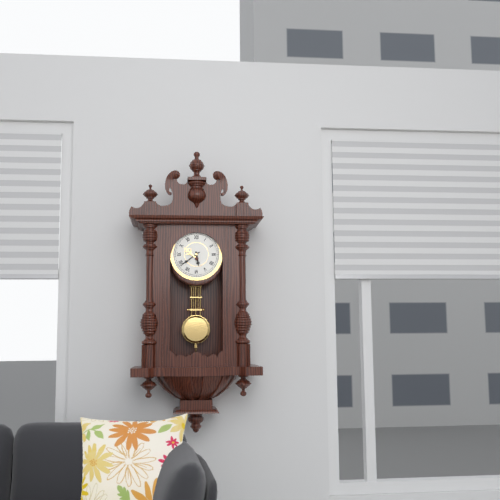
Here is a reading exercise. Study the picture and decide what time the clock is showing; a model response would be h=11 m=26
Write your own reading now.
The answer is h=5 m=39
